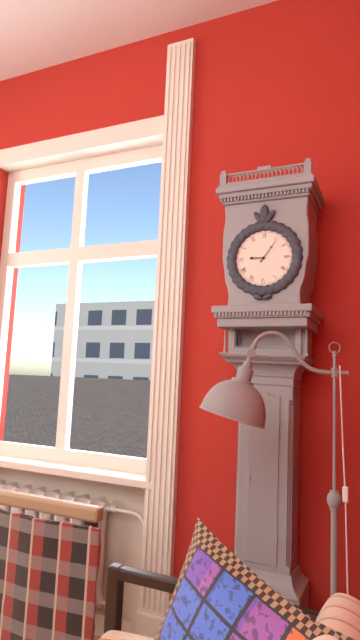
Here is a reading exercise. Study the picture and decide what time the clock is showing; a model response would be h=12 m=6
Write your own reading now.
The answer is h=9 m=6
